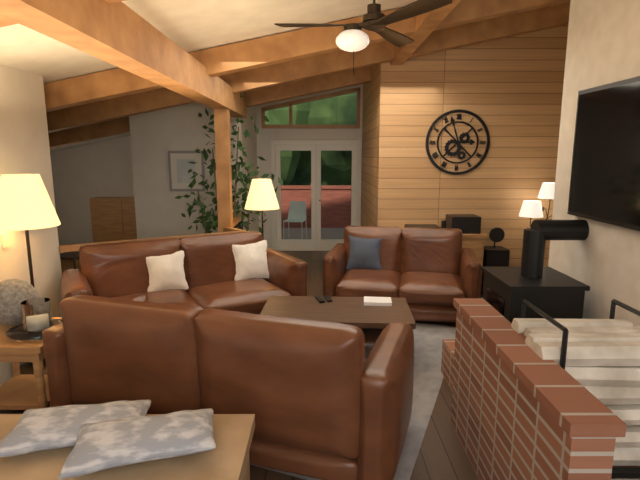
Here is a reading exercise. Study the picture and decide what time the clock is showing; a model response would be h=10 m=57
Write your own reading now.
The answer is h=2 m=57
